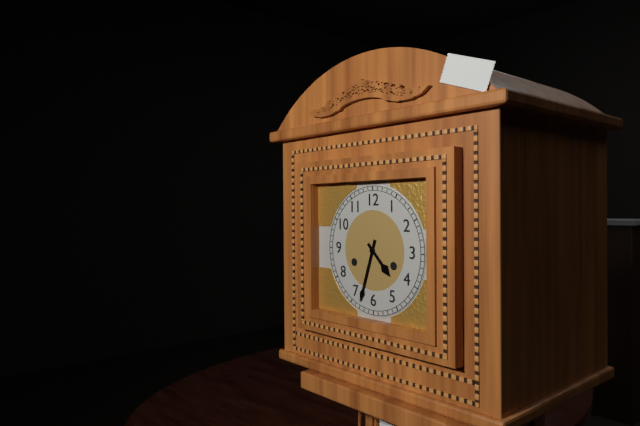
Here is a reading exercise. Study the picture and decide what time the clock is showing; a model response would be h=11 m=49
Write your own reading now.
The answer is h=4 m=33
